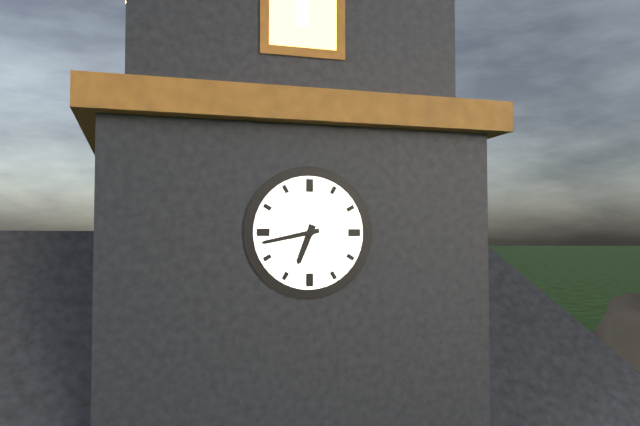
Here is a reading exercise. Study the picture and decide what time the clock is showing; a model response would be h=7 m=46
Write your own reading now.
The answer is h=6 m=43
